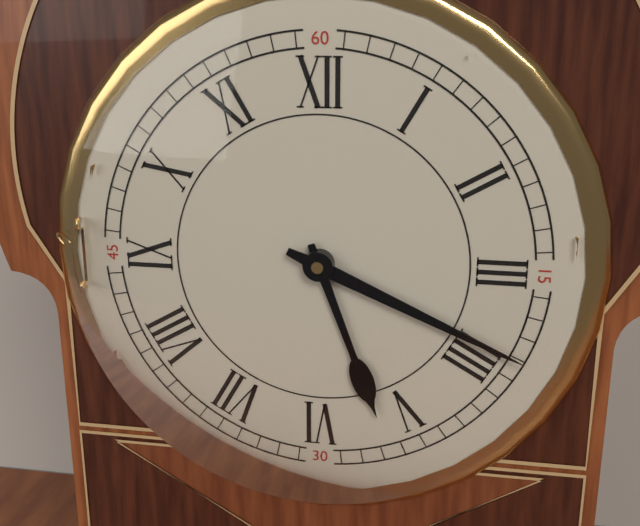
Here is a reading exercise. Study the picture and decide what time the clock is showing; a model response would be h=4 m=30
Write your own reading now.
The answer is h=5 m=19
